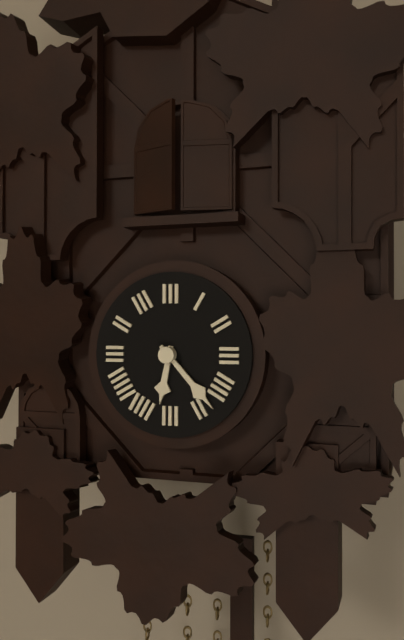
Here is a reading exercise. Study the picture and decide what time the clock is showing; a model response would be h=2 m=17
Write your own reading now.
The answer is h=6 m=23
